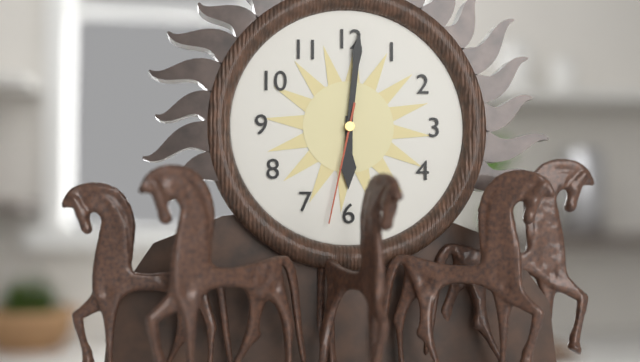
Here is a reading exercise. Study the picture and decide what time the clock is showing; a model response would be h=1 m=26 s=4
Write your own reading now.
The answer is h=6 m=1 s=32
